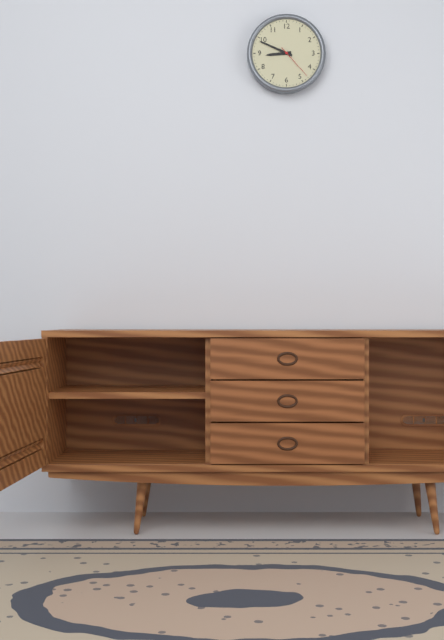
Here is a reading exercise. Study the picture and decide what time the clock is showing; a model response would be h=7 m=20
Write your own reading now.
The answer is h=8 m=49
